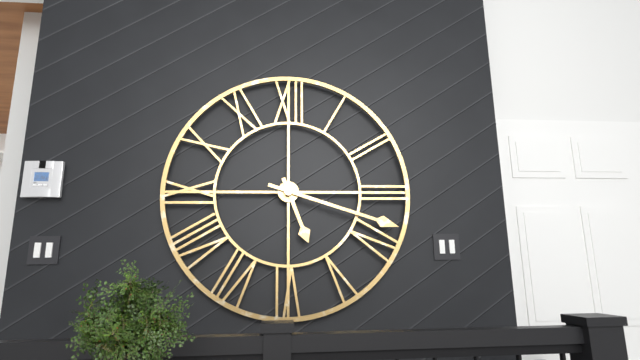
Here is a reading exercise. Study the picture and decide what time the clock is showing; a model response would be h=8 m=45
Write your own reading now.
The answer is h=5 m=18
